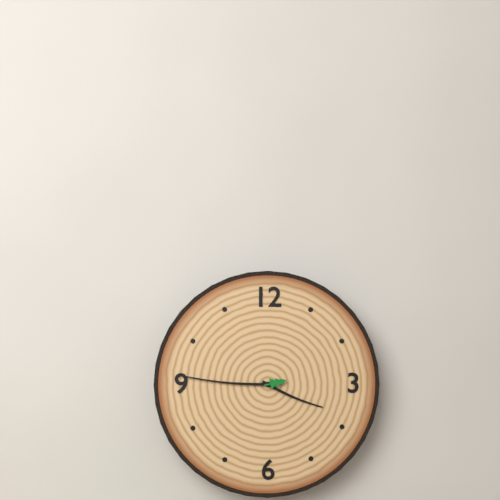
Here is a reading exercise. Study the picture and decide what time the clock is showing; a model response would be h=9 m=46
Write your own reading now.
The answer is h=3 m=46
